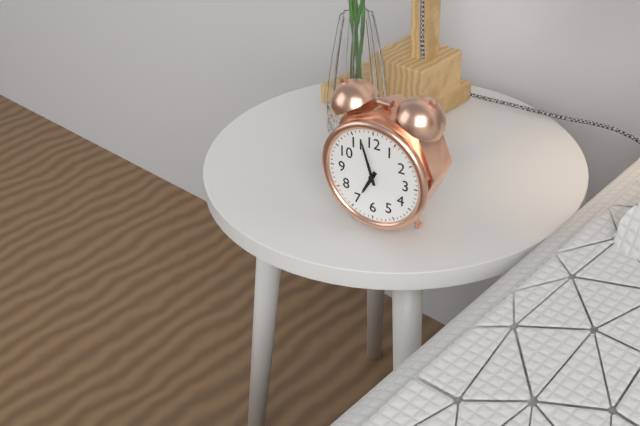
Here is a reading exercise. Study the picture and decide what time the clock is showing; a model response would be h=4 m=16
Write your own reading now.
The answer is h=6 m=57
